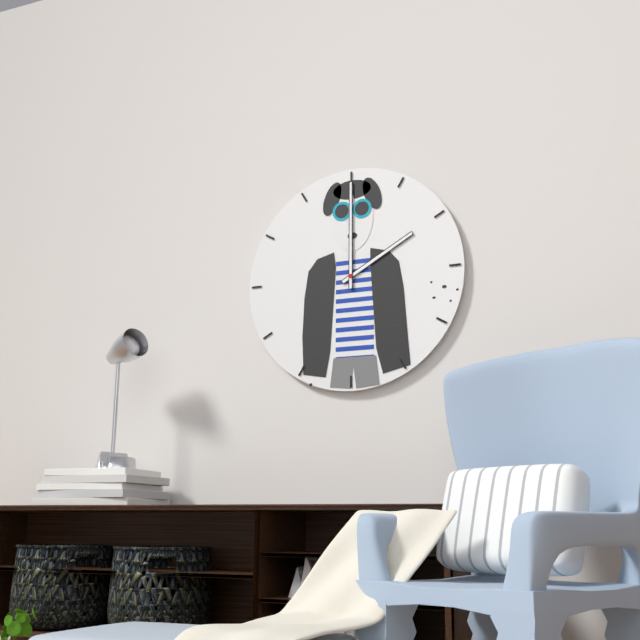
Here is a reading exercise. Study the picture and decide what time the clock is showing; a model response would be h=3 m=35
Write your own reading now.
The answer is h=2 m=0
